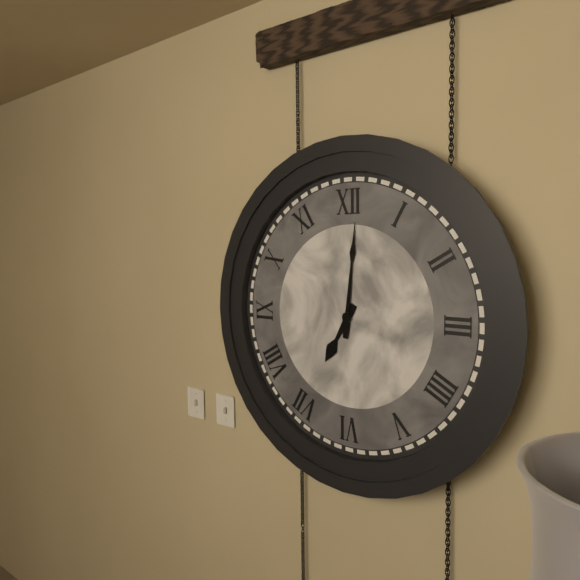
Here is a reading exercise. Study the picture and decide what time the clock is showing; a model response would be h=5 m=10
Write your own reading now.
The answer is h=7 m=1
